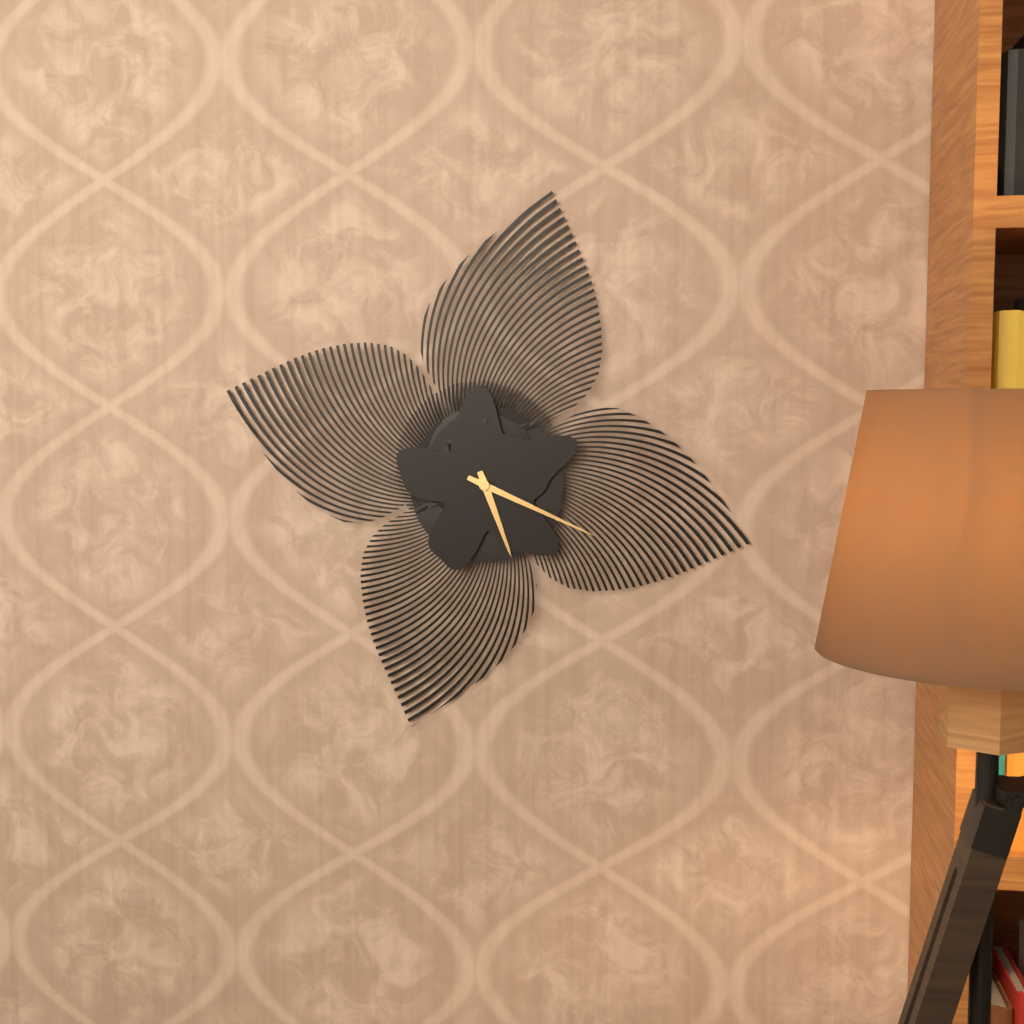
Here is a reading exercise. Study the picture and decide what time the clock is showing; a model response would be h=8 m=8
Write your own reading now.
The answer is h=5 m=19
